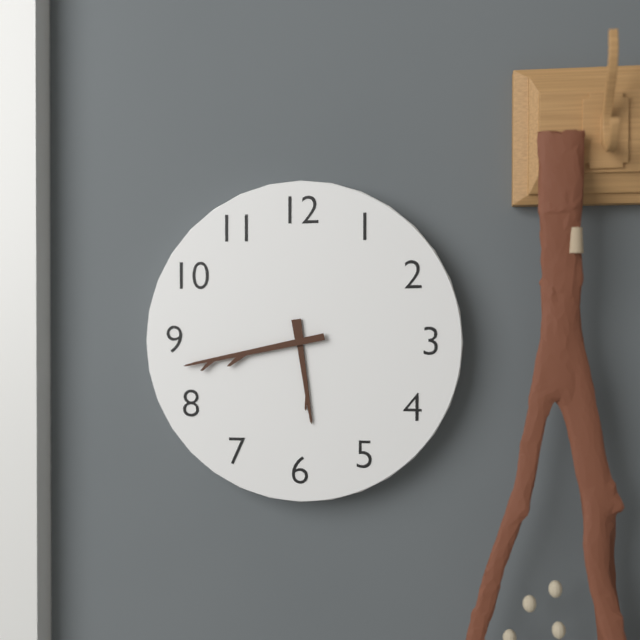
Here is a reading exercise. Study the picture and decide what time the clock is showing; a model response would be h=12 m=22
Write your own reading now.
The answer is h=5 m=43
